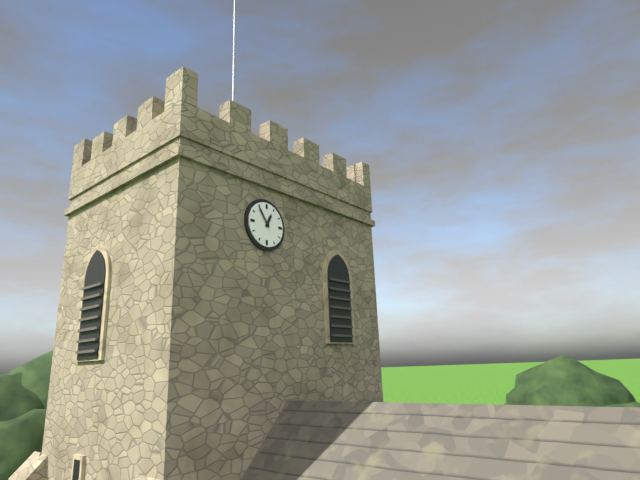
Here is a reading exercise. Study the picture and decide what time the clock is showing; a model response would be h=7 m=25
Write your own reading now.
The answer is h=12 m=54
